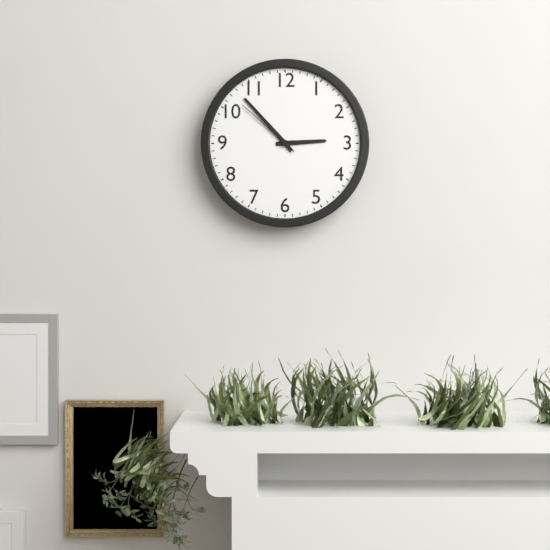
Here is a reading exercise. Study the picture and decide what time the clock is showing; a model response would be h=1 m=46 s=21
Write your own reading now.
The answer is h=2 m=53 s=52
